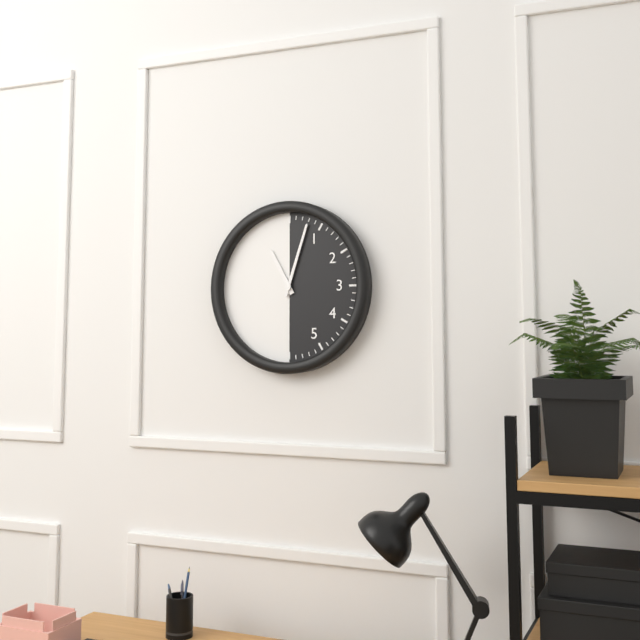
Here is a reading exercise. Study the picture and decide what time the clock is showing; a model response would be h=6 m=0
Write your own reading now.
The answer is h=11 m=3
